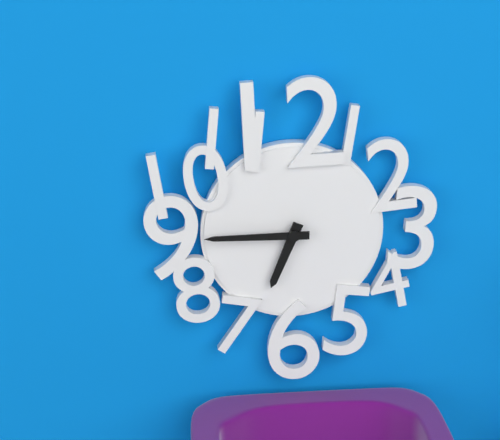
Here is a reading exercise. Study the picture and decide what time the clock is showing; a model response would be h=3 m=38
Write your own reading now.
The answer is h=6 m=45
